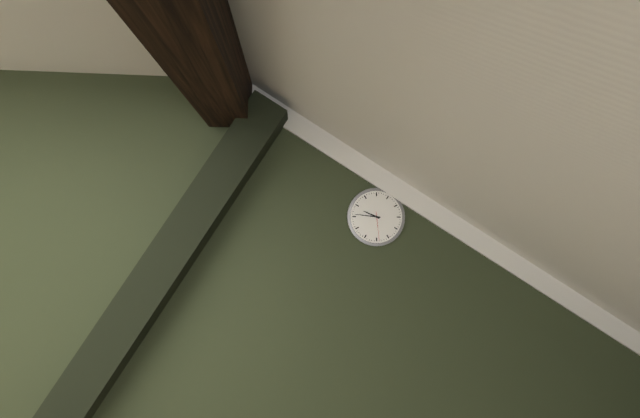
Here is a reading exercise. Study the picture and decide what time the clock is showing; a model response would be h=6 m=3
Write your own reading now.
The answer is h=9 m=46
